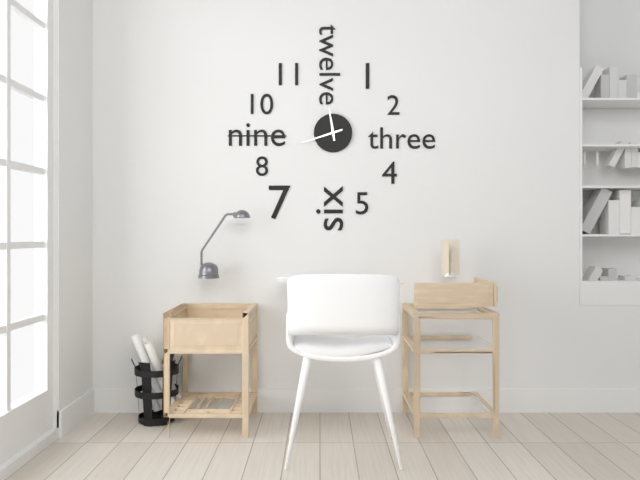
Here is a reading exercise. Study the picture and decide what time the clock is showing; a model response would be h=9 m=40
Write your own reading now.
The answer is h=11 m=42
